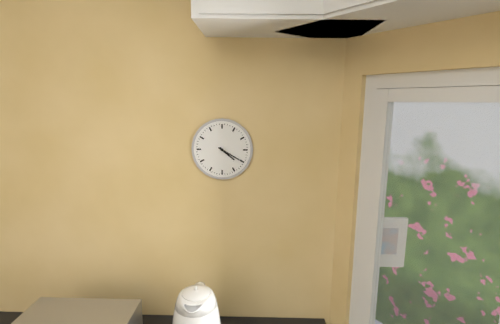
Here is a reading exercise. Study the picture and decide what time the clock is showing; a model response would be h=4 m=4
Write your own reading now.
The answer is h=4 m=20
